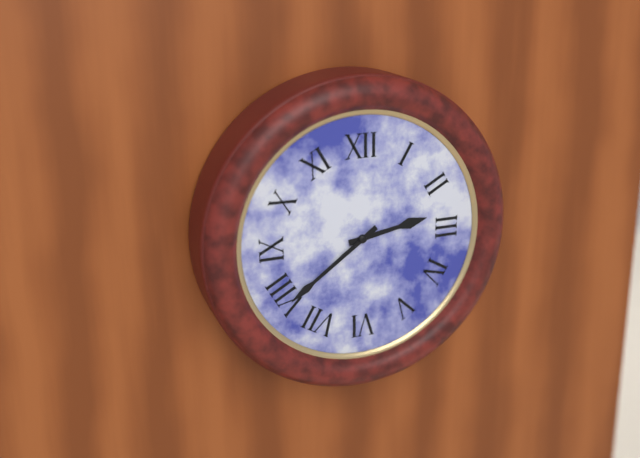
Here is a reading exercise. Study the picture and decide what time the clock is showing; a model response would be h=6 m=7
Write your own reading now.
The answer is h=2 m=39
